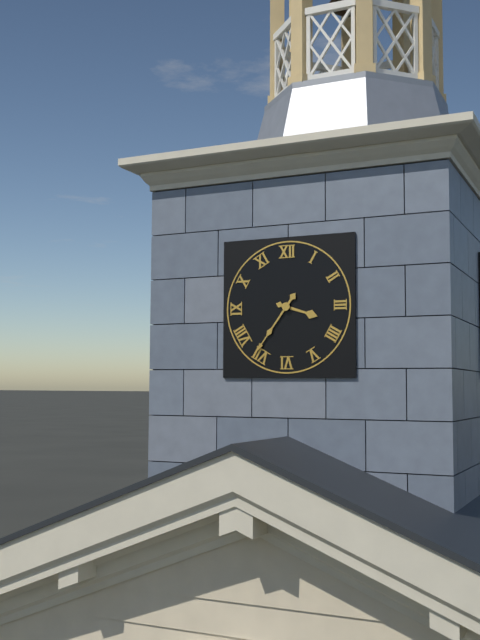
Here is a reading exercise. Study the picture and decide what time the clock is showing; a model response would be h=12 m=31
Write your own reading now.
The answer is h=3 m=36
